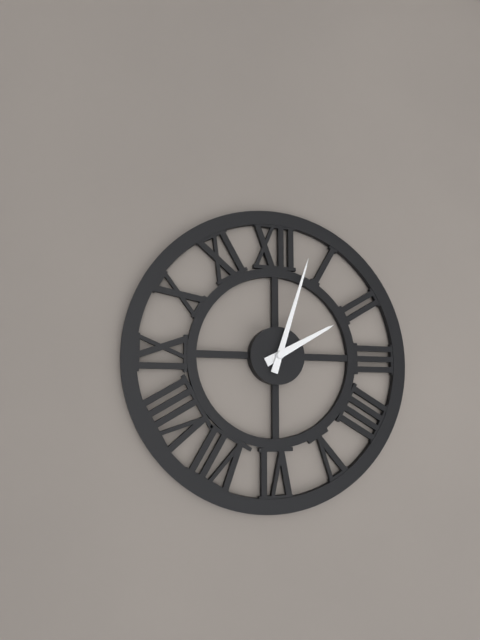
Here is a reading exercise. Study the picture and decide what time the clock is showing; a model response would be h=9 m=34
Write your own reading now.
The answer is h=2 m=3
